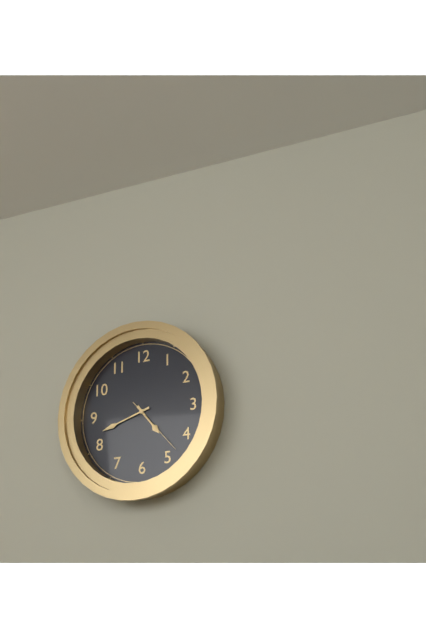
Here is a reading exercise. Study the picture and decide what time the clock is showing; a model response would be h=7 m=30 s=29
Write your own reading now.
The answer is h=4 m=42 s=23
